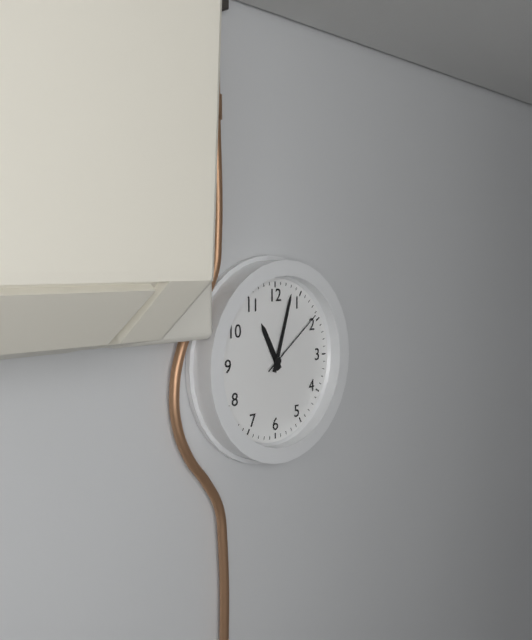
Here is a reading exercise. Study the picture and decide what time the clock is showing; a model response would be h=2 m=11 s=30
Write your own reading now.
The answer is h=11 m=3 s=9
